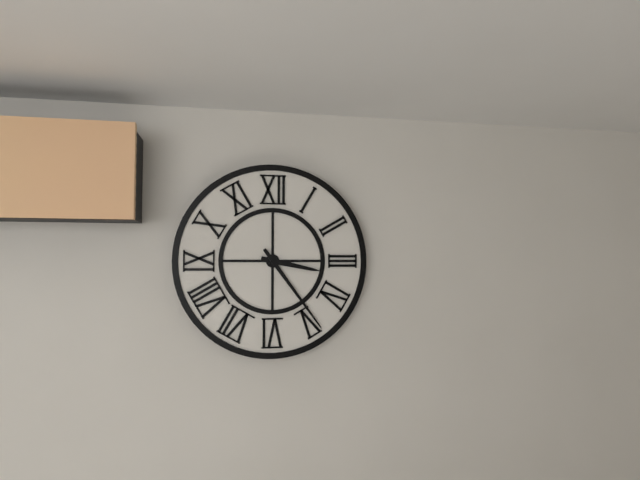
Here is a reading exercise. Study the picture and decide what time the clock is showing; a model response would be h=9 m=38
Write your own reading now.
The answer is h=3 m=24
